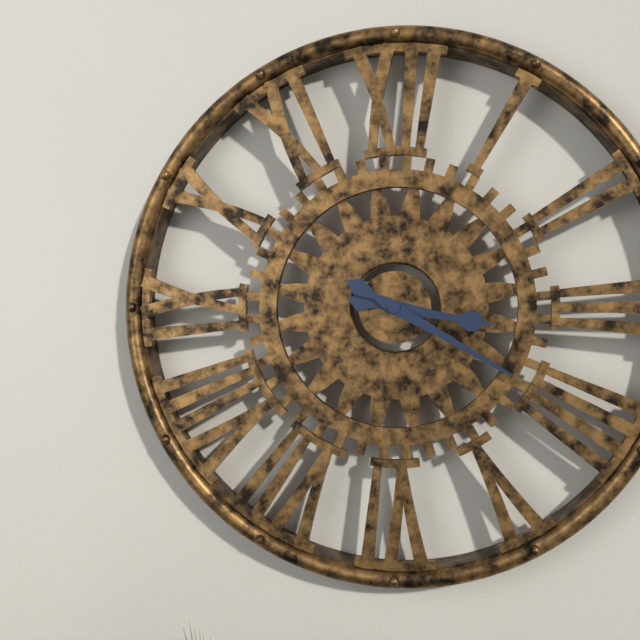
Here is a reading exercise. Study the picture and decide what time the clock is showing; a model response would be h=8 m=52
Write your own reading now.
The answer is h=3 m=20
